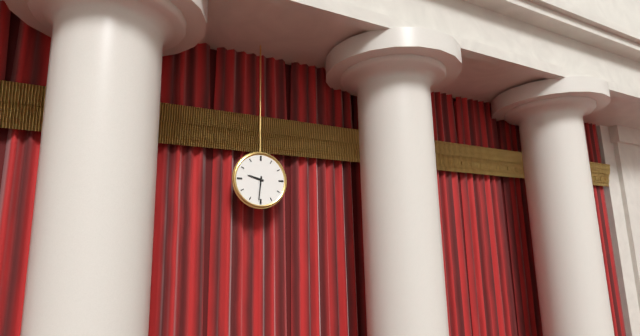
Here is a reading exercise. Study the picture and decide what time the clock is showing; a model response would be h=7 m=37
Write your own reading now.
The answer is h=9 m=31
